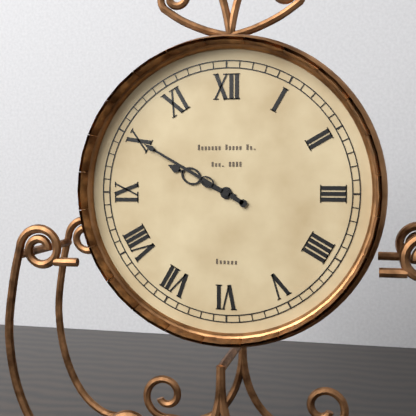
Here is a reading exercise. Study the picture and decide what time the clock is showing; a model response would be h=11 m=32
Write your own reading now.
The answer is h=9 m=50
